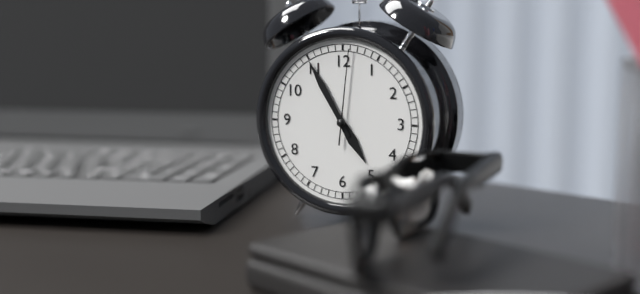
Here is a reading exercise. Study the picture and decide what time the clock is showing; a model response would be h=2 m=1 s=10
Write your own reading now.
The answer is h=4 m=55 s=1
